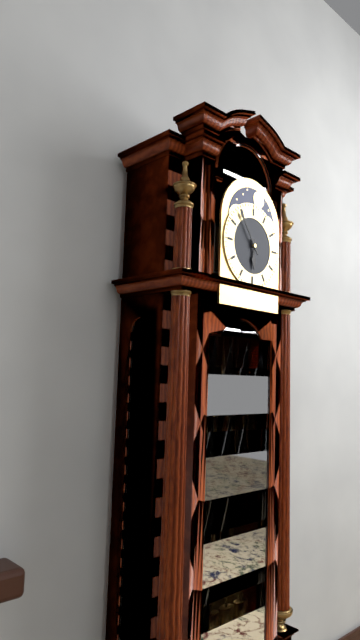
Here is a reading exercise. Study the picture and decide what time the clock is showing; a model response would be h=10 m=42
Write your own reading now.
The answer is h=5 m=54
